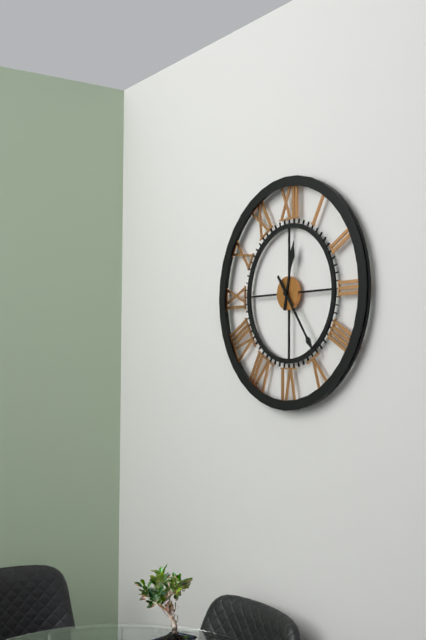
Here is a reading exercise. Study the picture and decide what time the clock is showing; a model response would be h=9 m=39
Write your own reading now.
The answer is h=12 m=24
